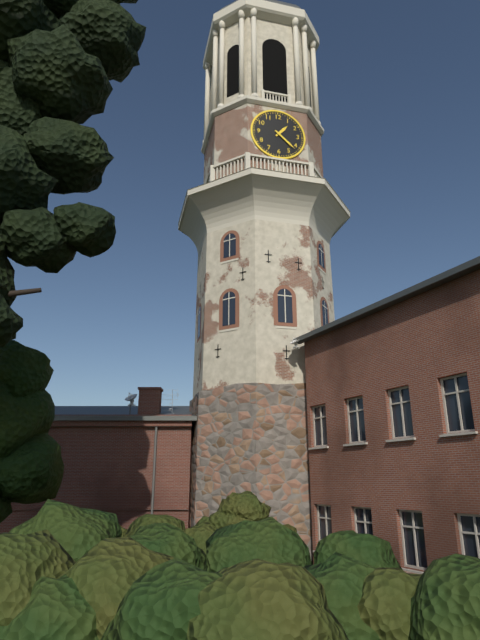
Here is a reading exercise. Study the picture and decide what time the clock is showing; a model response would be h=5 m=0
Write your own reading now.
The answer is h=1 m=22
